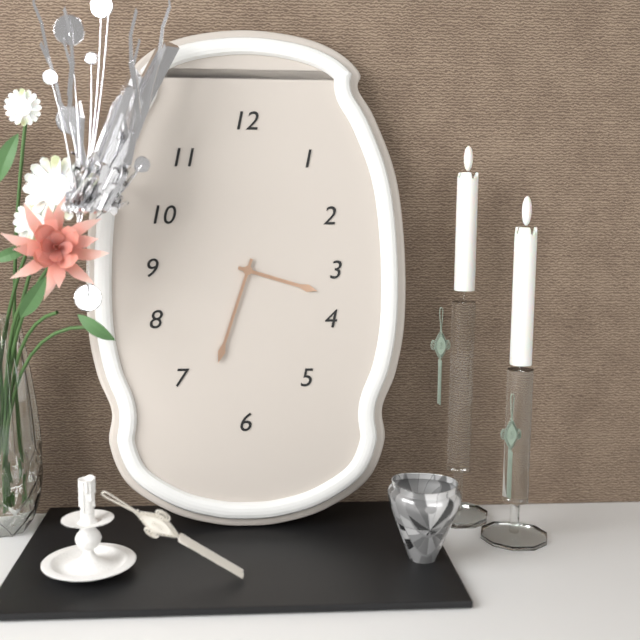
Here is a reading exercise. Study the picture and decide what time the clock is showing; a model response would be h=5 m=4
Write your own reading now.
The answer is h=3 m=33
